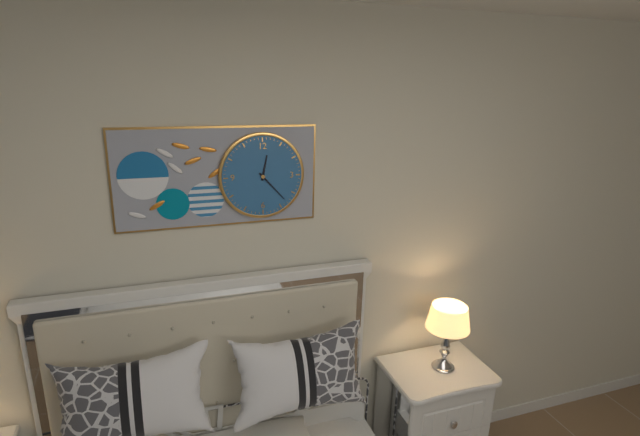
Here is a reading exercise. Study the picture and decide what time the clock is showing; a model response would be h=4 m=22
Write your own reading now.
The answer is h=12 m=23
